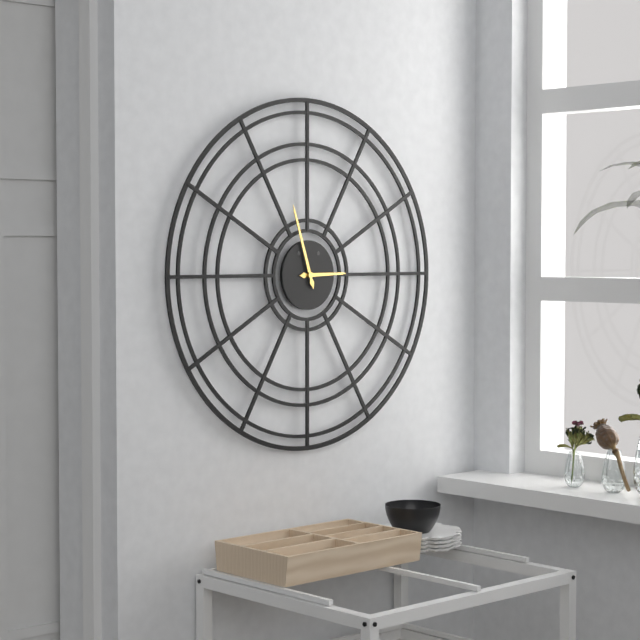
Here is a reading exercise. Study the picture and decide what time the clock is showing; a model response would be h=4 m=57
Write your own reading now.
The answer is h=2 m=57
